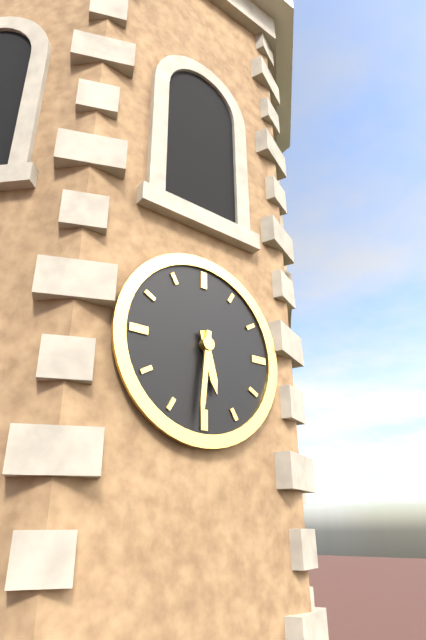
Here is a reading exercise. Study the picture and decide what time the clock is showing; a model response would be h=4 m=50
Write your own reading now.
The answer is h=5 m=31
